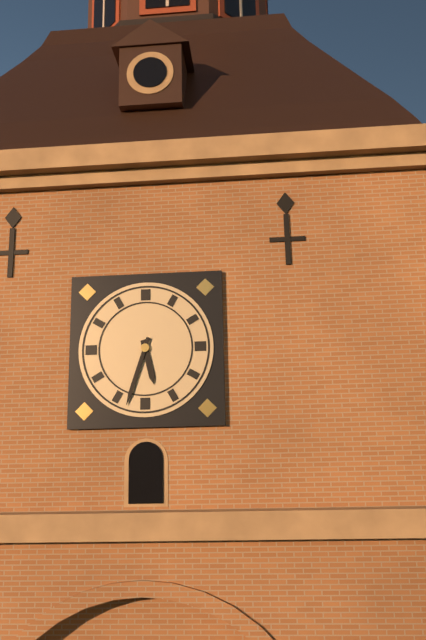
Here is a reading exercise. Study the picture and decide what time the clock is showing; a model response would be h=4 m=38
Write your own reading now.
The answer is h=5 m=33
